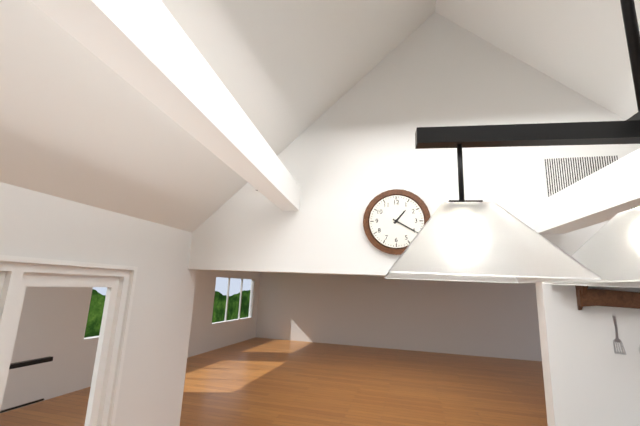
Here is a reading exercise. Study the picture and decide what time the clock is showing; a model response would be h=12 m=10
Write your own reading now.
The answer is h=1 m=20
